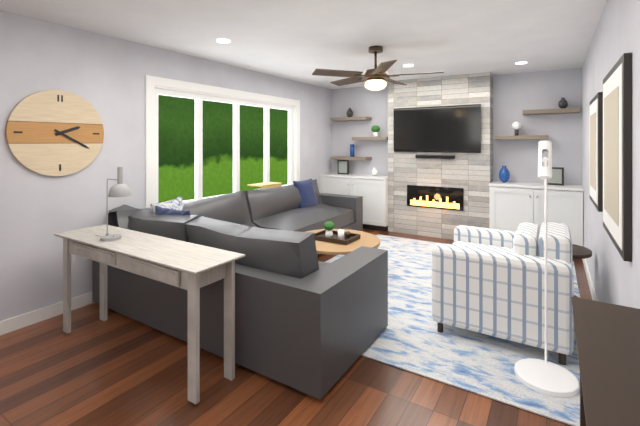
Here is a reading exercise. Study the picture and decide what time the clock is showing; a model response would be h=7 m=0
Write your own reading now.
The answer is h=2 m=20
